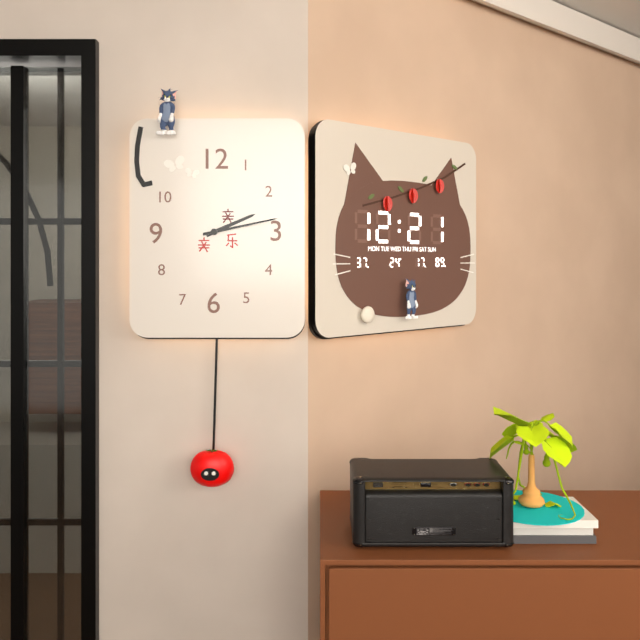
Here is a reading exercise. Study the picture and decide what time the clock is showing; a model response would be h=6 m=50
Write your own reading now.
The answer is h=2 m=13
